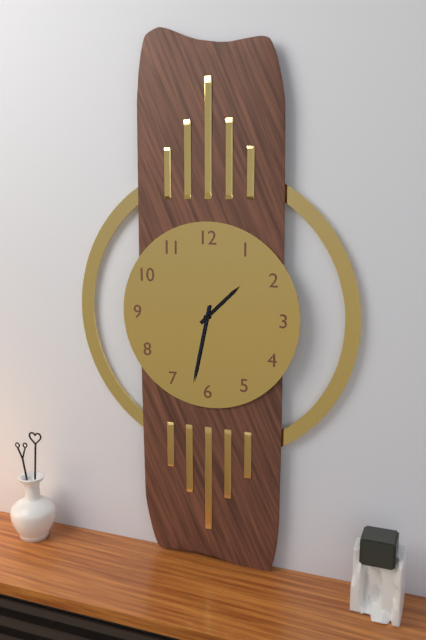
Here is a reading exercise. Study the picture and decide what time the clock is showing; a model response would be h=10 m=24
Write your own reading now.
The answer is h=1 m=32
